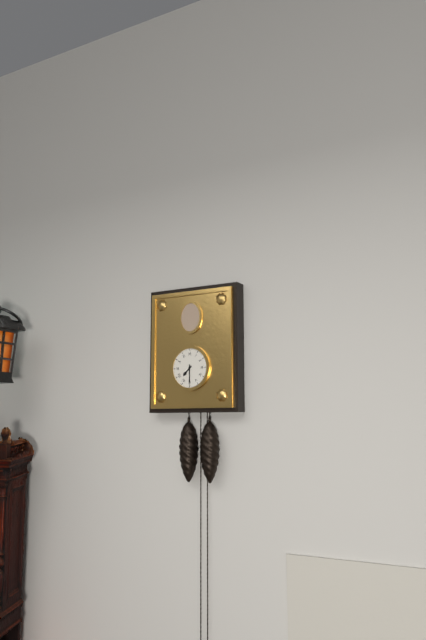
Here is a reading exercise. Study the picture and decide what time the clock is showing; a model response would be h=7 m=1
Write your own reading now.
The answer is h=7 m=30
